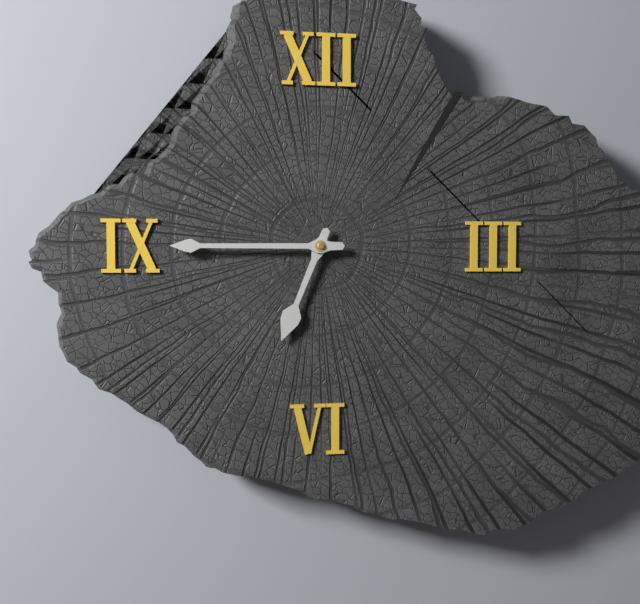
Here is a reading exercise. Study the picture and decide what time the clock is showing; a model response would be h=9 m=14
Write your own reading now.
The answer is h=6 m=45
